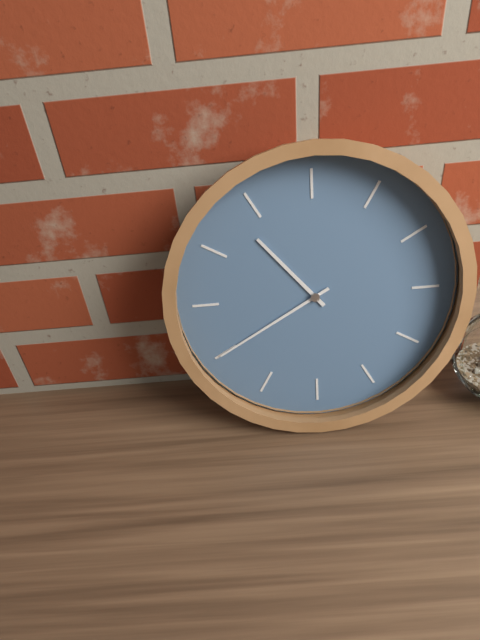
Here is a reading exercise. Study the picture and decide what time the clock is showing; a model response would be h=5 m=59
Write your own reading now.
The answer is h=10 m=40
